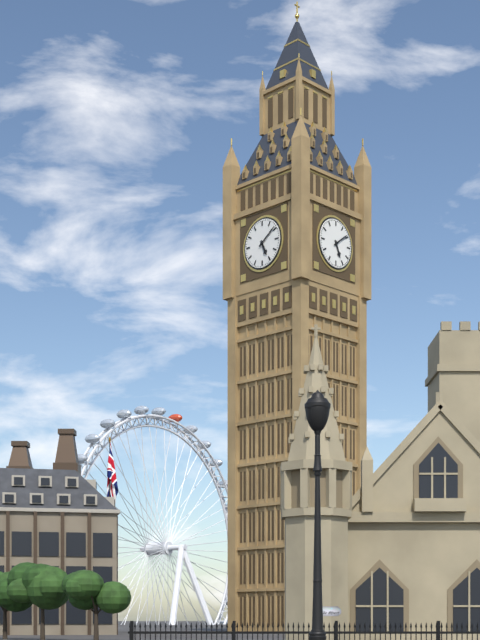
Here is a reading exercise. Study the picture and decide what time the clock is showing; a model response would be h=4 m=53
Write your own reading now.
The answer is h=5 m=9
